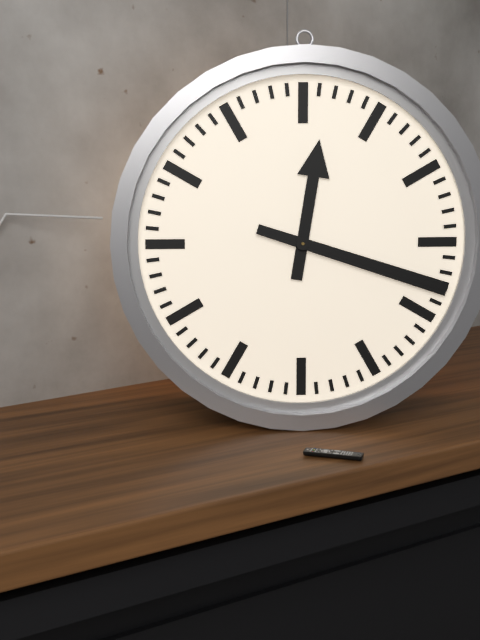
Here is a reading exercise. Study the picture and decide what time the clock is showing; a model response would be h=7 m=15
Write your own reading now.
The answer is h=12 m=18
